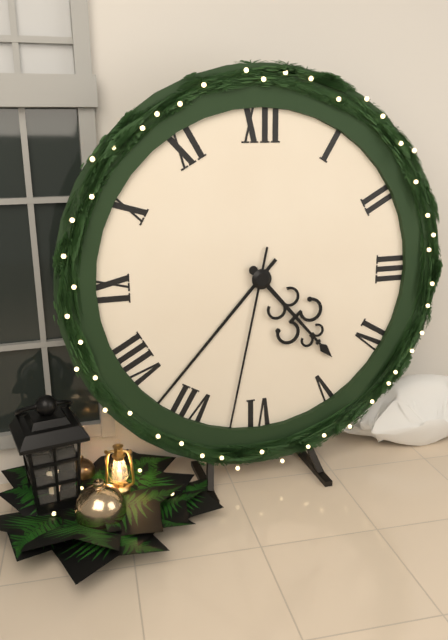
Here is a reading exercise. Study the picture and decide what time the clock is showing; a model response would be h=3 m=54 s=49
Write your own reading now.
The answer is h=4 m=37 s=32
